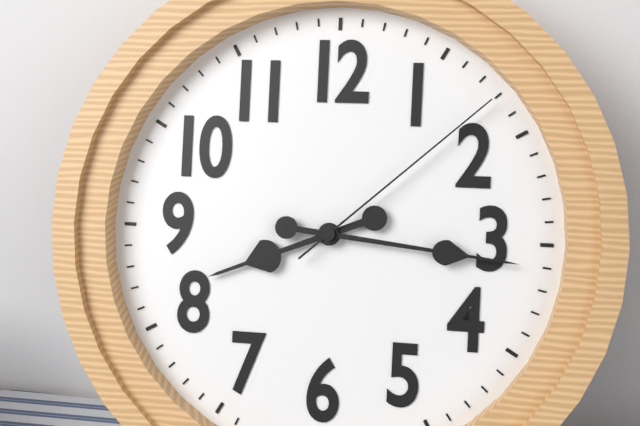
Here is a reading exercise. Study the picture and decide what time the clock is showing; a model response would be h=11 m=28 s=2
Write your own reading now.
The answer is h=8 m=16 s=8
